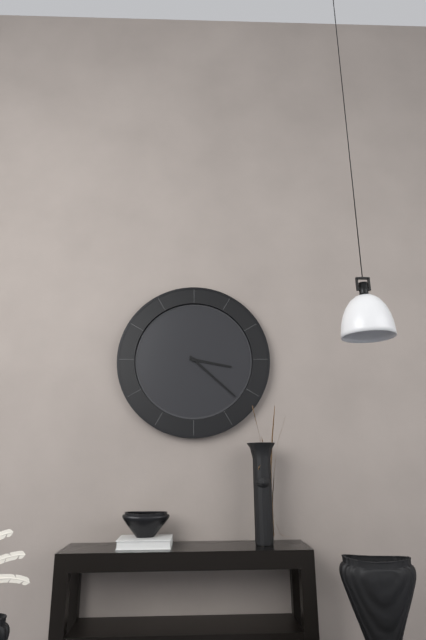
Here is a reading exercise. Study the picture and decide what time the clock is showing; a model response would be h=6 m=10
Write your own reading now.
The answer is h=3 m=22
